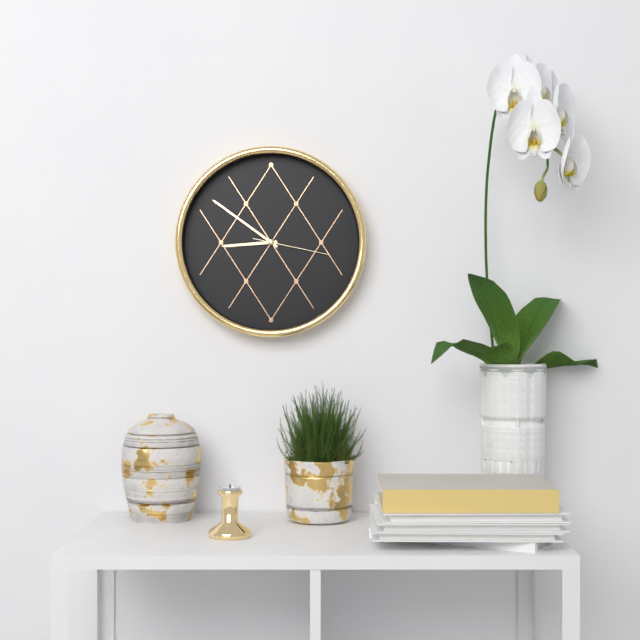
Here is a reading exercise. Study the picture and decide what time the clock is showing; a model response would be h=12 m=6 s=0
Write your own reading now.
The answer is h=8 m=51 s=17
